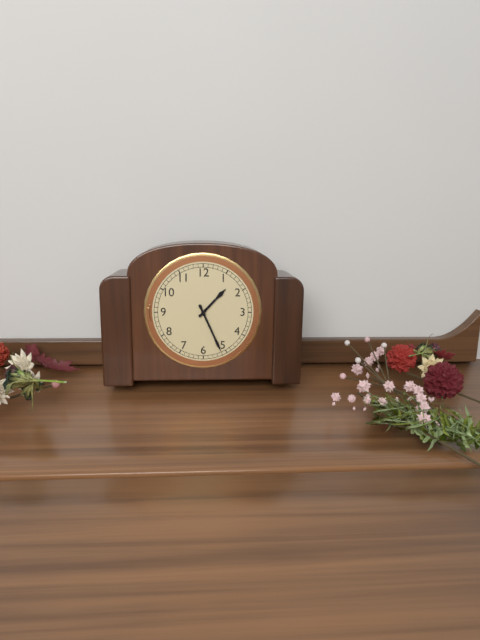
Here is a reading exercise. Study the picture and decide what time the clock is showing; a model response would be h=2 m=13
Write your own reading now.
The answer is h=1 m=26
